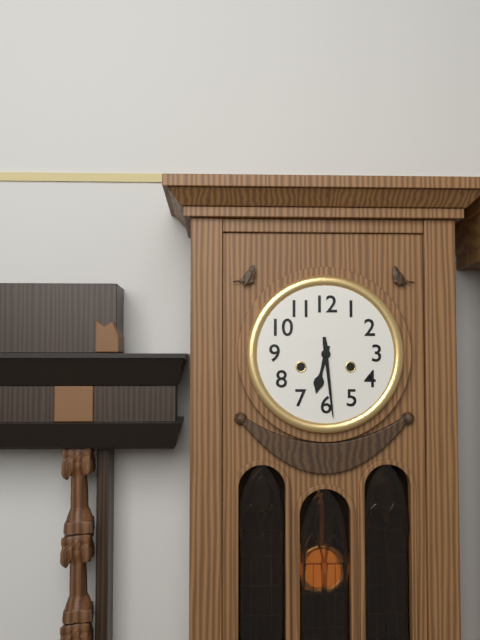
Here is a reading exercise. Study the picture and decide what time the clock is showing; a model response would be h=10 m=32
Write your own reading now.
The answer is h=6 m=29
